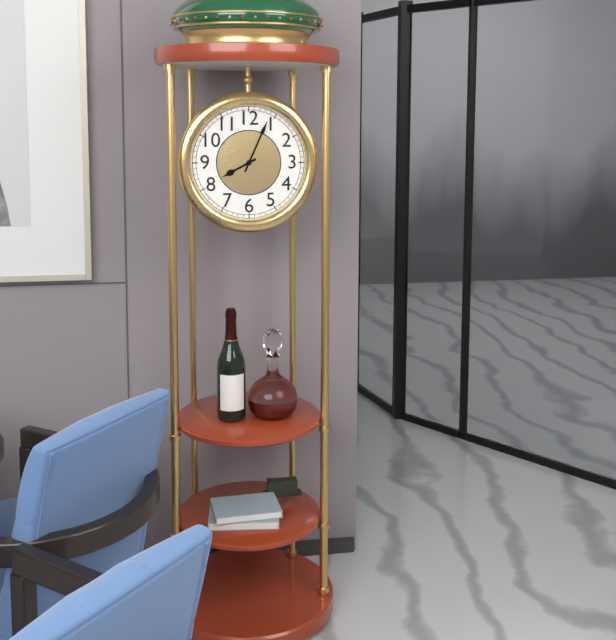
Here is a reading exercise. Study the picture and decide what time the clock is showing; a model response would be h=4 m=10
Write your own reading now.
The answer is h=8 m=4
